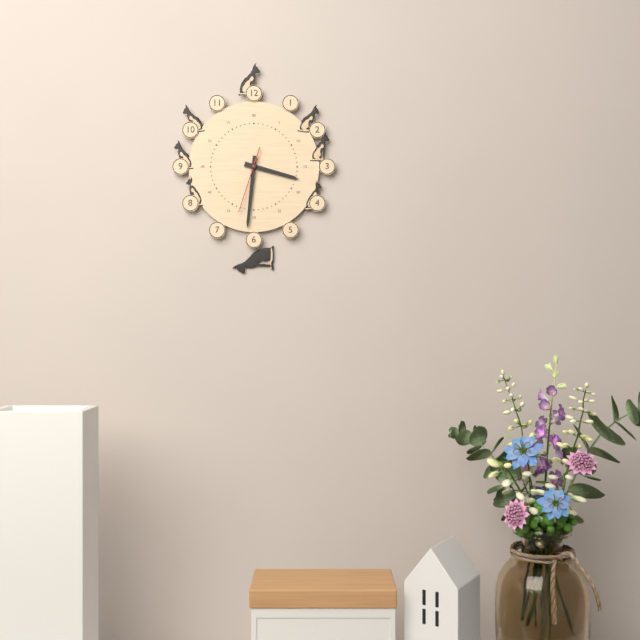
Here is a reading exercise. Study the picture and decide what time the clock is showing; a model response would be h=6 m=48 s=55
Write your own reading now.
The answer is h=3 m=31 s=33
